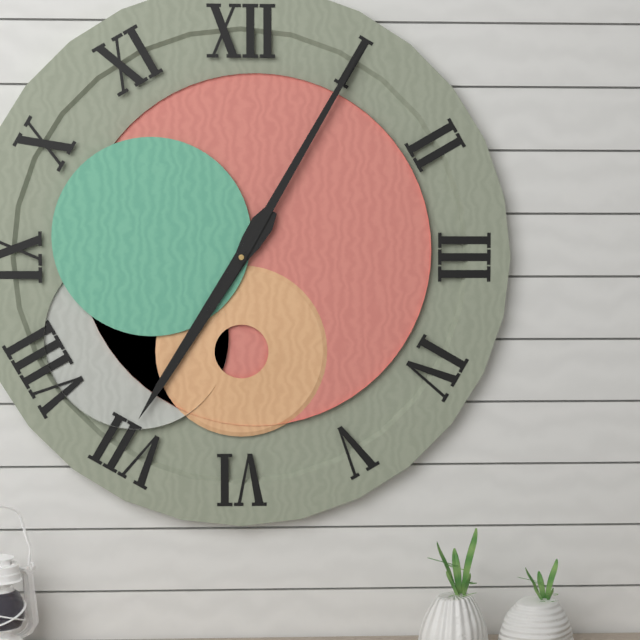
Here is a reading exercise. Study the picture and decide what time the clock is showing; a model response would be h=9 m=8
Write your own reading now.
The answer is h=7 m=5
